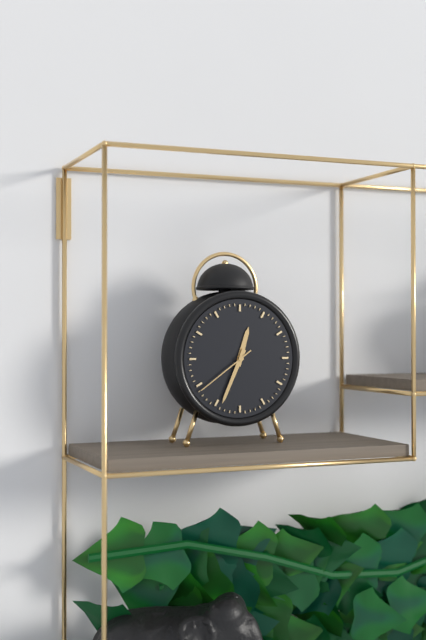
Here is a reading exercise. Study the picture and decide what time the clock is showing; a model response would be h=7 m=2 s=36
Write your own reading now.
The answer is h=12 m=34 s=39
